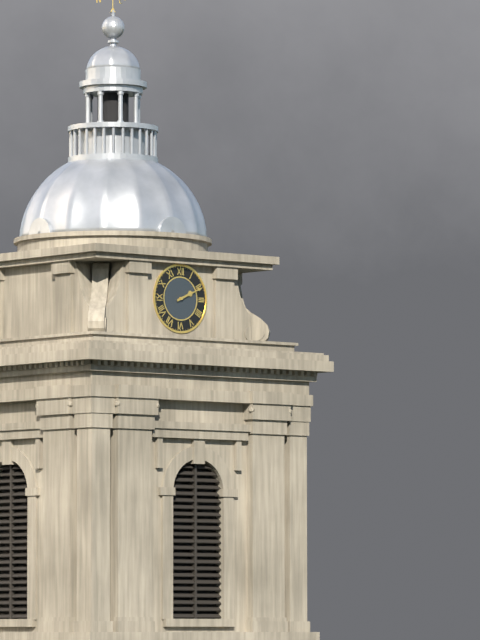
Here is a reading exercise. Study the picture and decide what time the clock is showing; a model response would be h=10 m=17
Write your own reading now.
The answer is h=2 m=11
